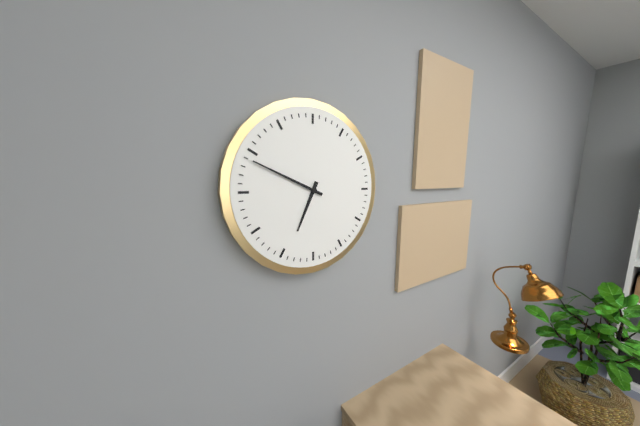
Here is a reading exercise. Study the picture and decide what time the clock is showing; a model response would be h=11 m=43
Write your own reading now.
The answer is h=6 m=49
